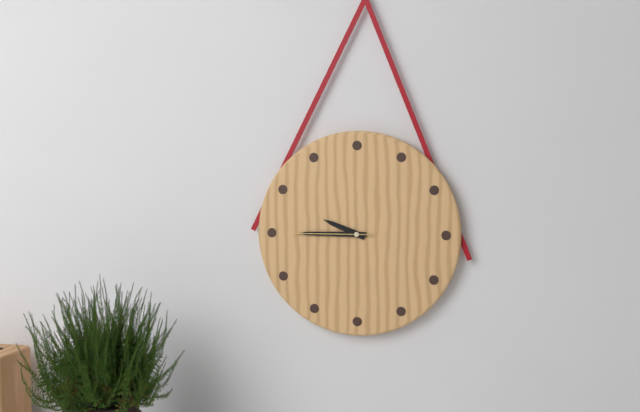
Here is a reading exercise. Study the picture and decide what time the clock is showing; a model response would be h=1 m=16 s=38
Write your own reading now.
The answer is h=9 m=45 s=45
